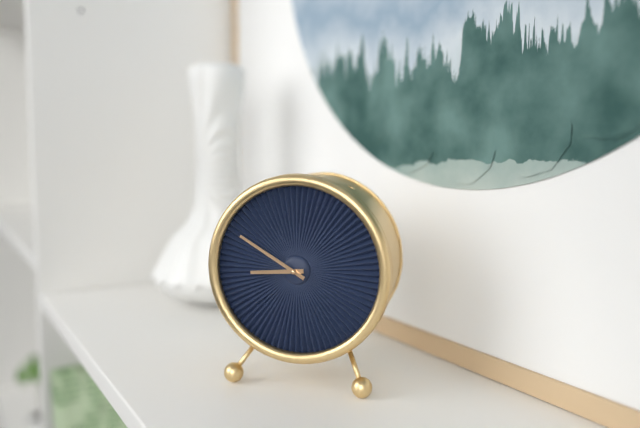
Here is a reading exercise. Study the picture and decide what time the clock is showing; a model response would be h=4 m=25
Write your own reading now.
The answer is h=8 m=50
